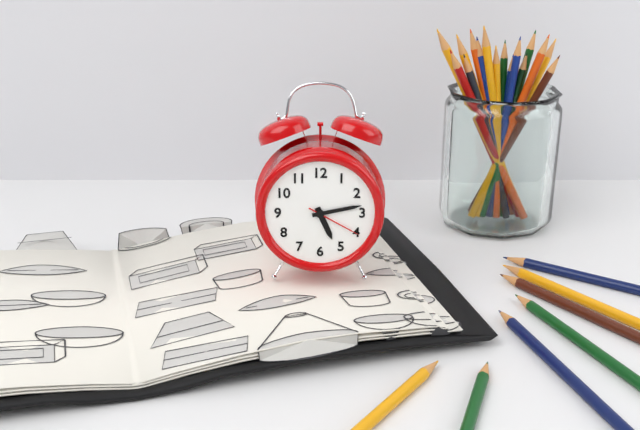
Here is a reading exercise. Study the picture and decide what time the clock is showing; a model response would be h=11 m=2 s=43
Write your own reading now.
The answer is h=5 m=13 s=20
